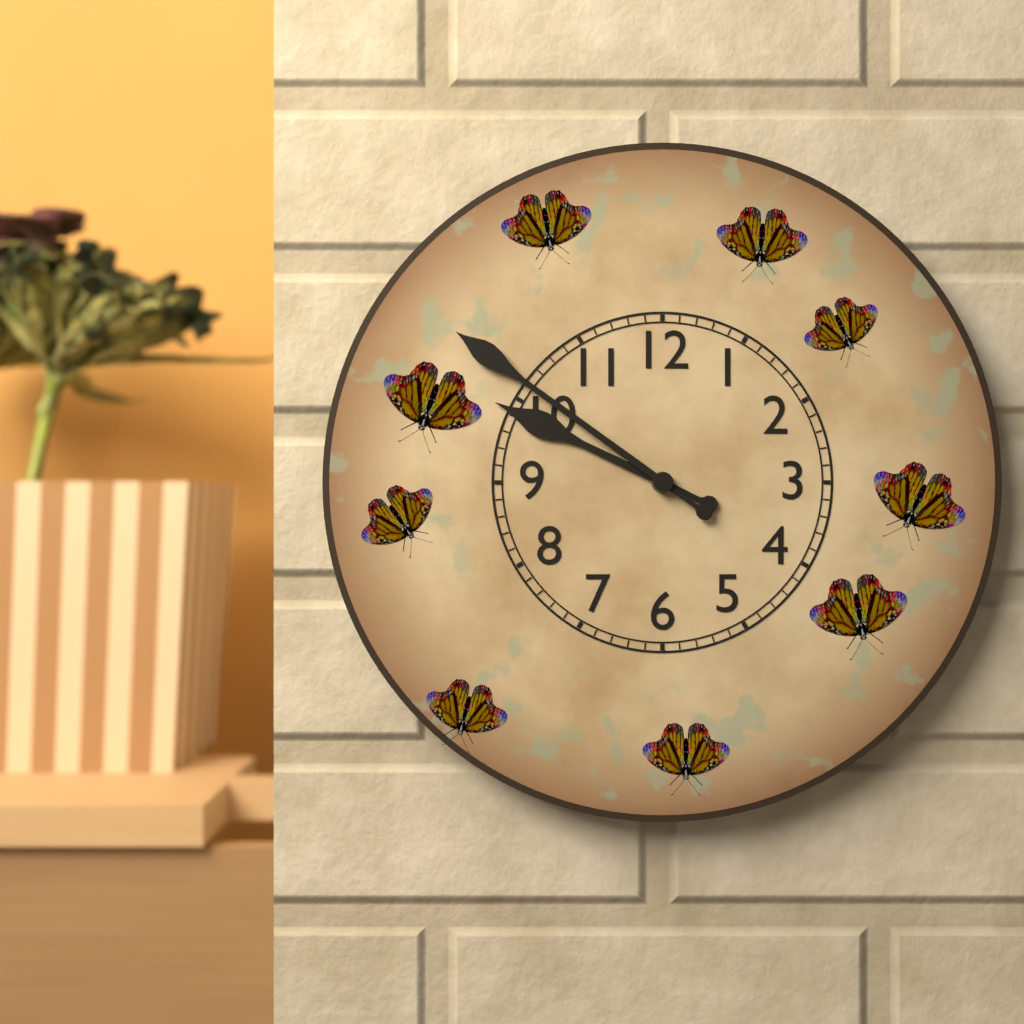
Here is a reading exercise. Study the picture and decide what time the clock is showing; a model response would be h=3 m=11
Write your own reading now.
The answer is h=9 m=51
